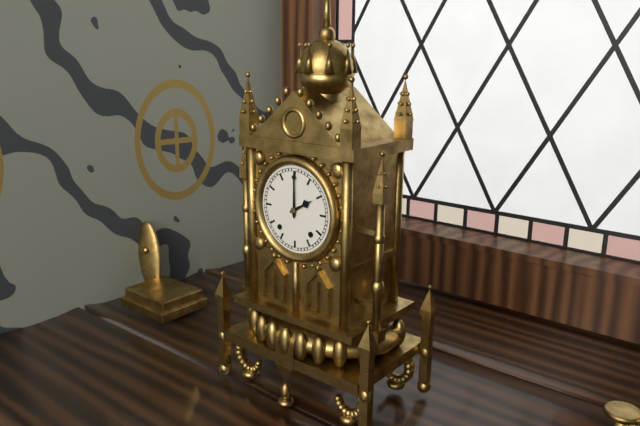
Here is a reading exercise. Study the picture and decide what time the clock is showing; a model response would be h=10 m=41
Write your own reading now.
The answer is h=2 m=0
